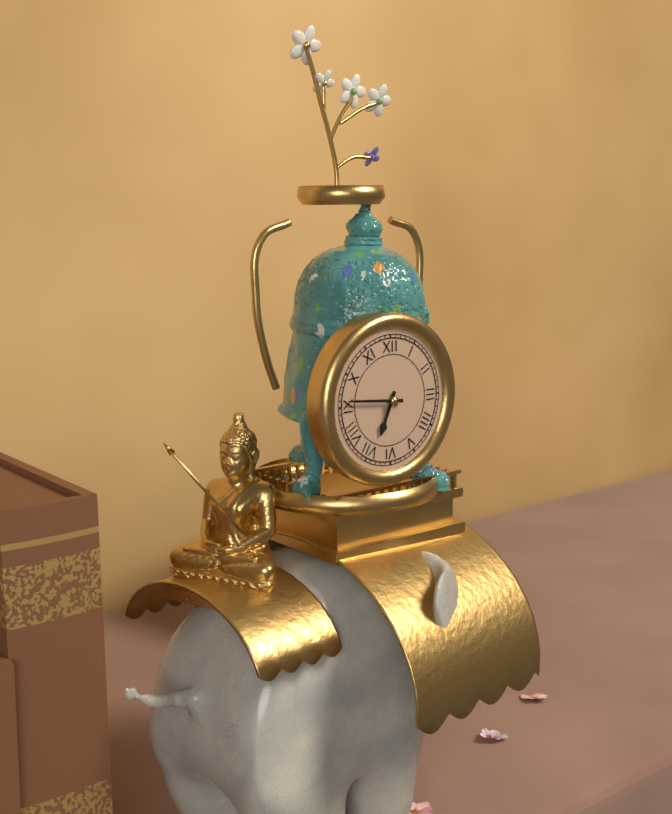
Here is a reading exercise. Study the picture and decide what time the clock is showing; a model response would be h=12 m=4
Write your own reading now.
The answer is h=6 m=46
